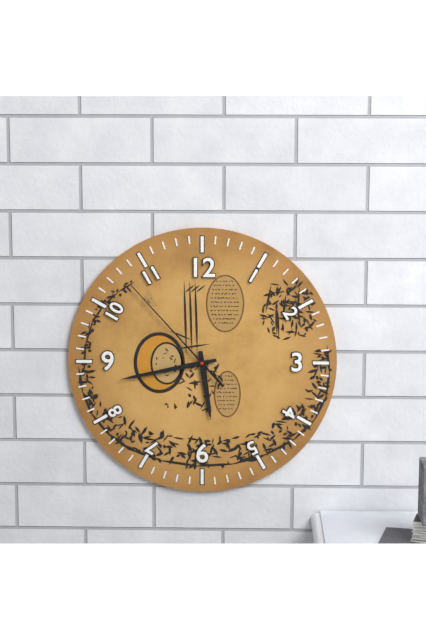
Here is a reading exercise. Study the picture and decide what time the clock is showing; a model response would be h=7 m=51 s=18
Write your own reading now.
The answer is h=5 m=43 s=53
